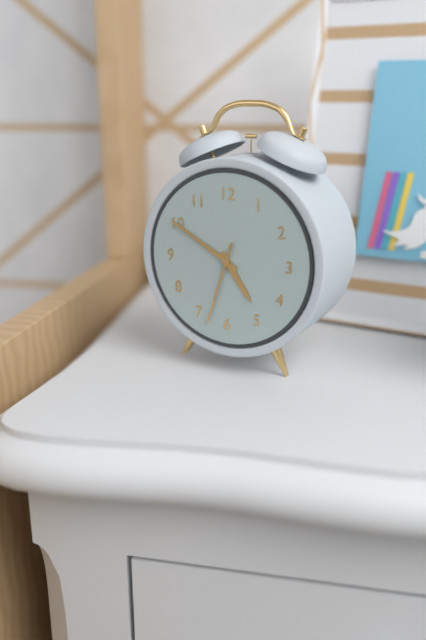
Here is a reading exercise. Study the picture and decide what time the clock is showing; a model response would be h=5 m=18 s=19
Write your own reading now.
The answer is h=4 m=50 s=33
